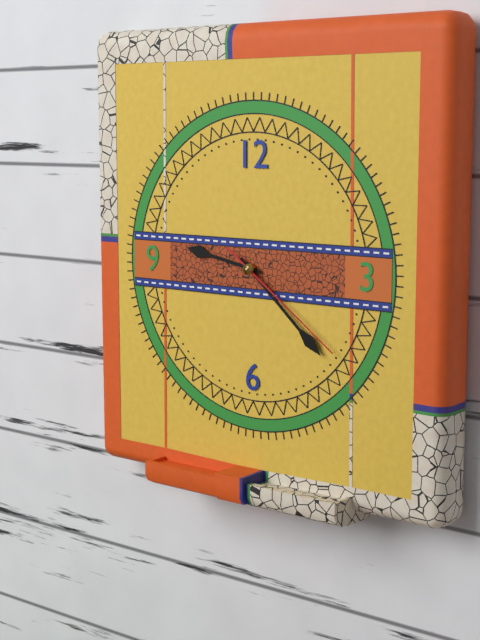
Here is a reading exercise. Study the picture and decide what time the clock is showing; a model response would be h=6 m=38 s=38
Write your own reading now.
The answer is h=9 m=22 s=21
